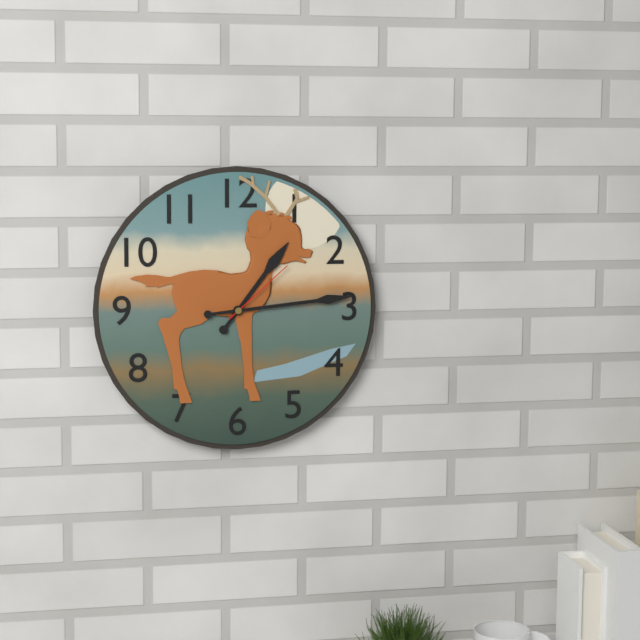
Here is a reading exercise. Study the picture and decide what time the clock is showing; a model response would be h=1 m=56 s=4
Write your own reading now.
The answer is h=1 m=14 s=8
